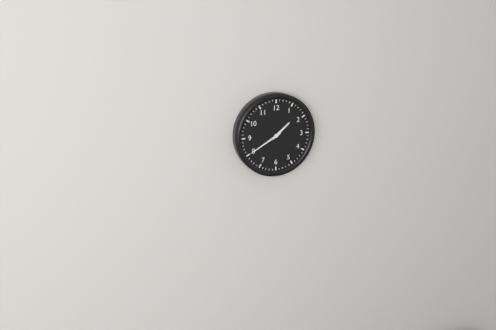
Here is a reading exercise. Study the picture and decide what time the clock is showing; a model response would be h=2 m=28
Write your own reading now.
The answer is h=1 m=40
